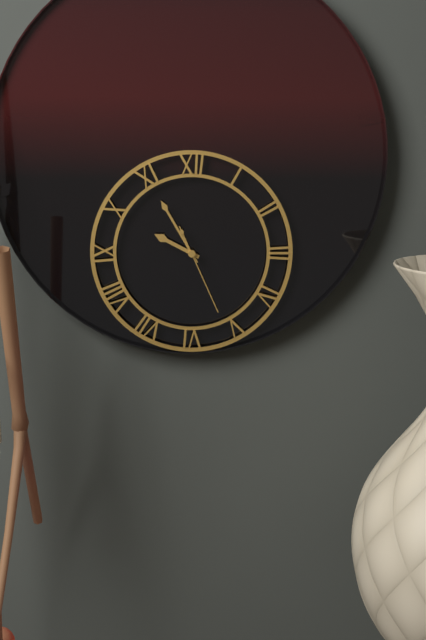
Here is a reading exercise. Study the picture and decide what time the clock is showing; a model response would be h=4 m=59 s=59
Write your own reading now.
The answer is h=9 m=55 s=26
